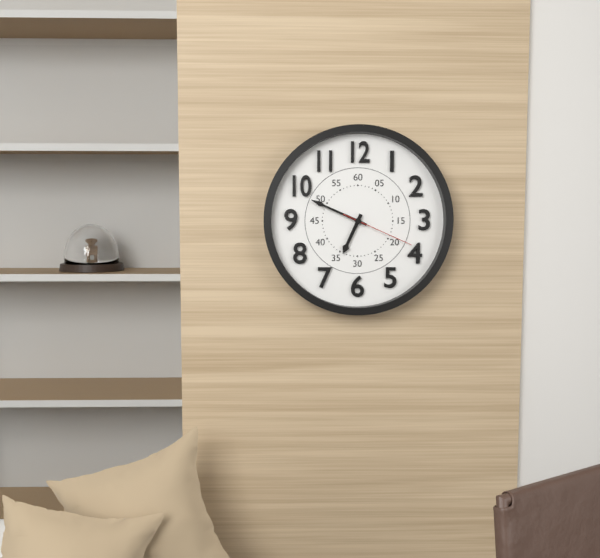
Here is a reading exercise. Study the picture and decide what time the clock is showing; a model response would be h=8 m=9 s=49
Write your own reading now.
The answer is h=6 m=49 s=19
